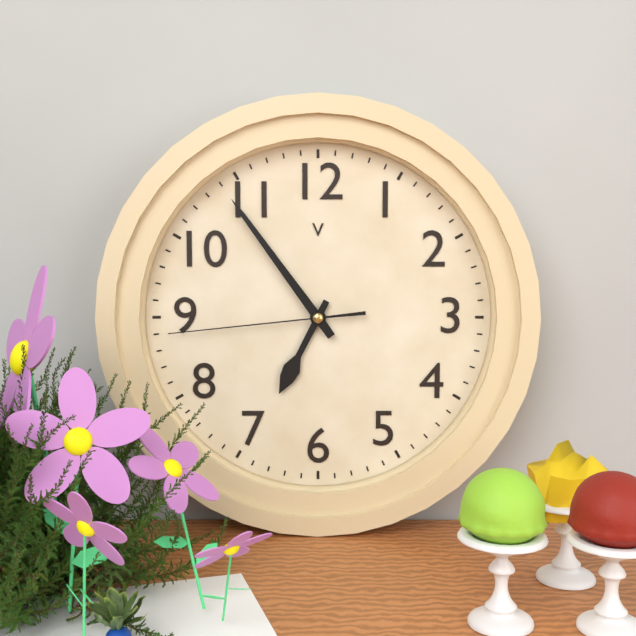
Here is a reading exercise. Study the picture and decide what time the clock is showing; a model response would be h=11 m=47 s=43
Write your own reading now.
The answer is h=6 m=54 s=44
